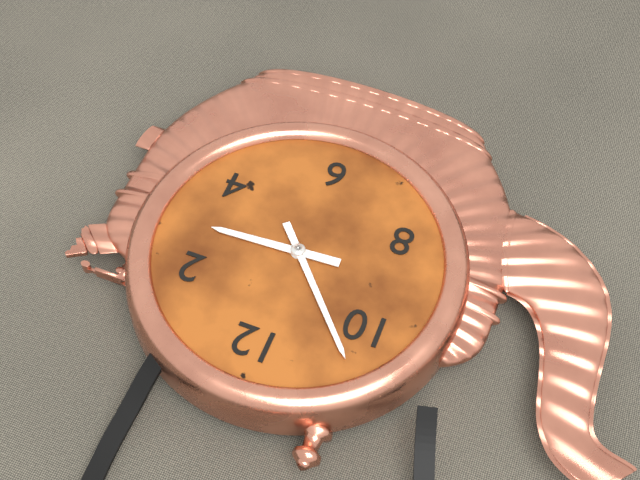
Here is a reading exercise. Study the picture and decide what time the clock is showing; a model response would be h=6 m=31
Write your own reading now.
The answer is h=2 m=53
